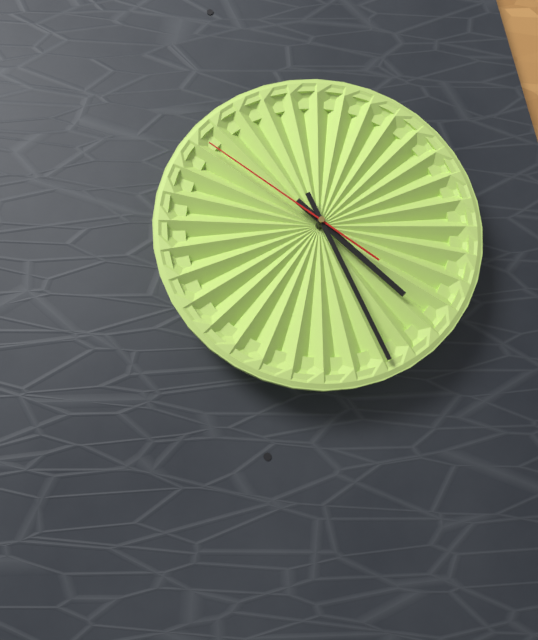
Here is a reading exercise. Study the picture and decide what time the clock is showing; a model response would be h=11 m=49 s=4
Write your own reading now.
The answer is h=4 m=26 s=51
